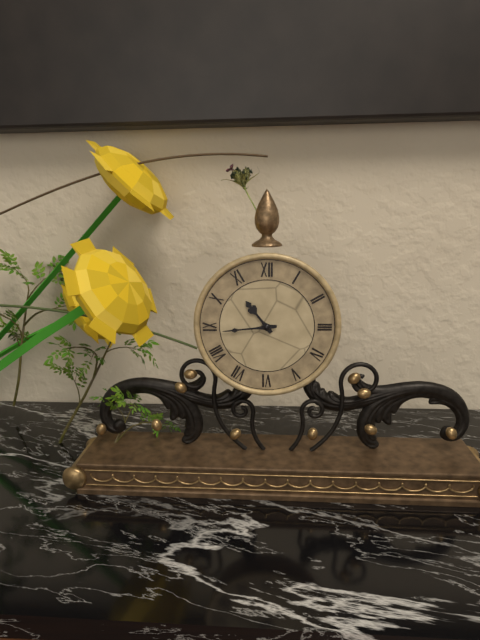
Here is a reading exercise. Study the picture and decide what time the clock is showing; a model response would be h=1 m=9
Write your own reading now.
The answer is h=10 m=44
